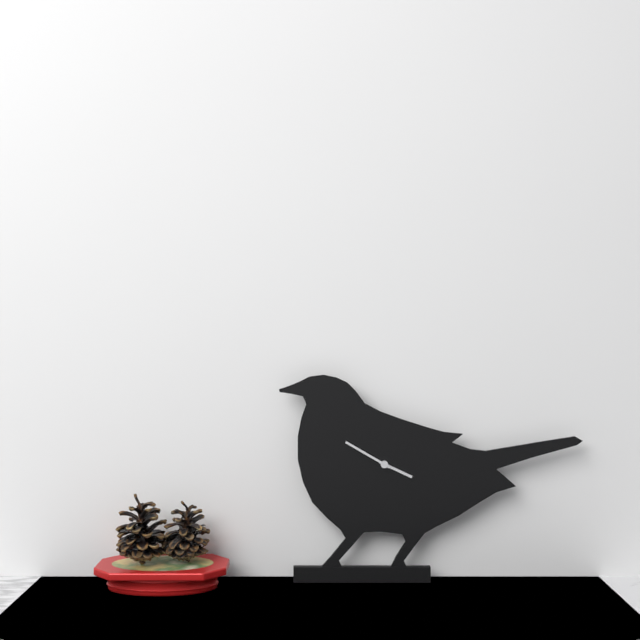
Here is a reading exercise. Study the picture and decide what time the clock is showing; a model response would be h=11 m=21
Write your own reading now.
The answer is h=3 m=50
